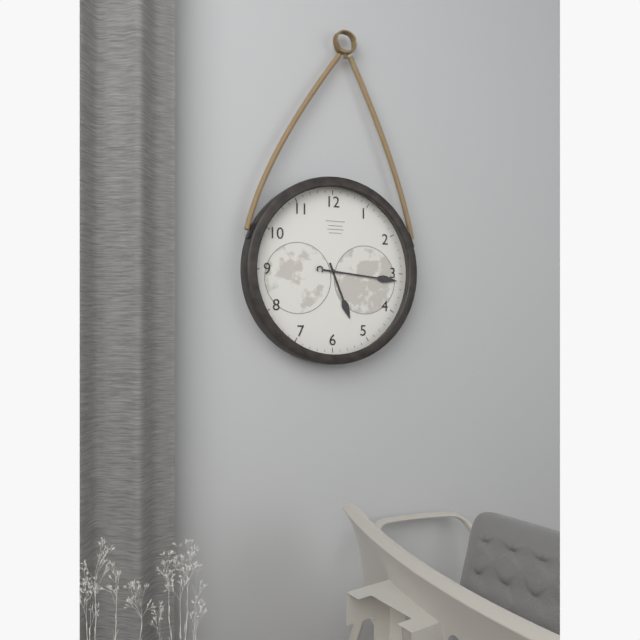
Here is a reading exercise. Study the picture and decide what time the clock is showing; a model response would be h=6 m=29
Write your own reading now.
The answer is h=5 m=16
